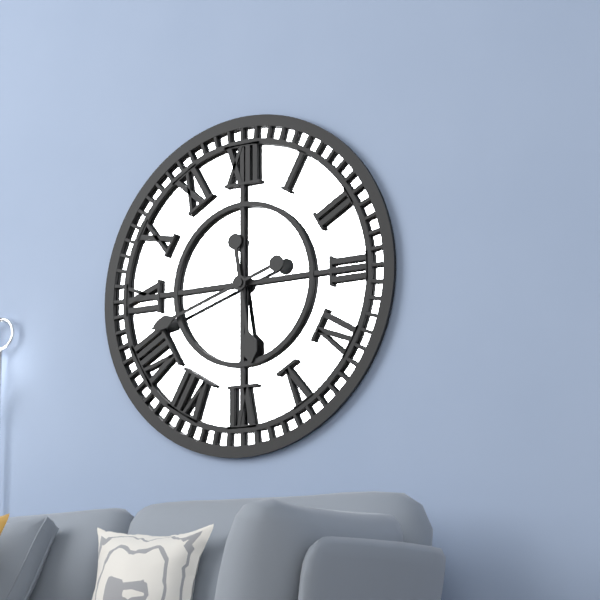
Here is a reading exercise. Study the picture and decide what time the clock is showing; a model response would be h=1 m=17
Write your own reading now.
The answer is h=5 m=42
